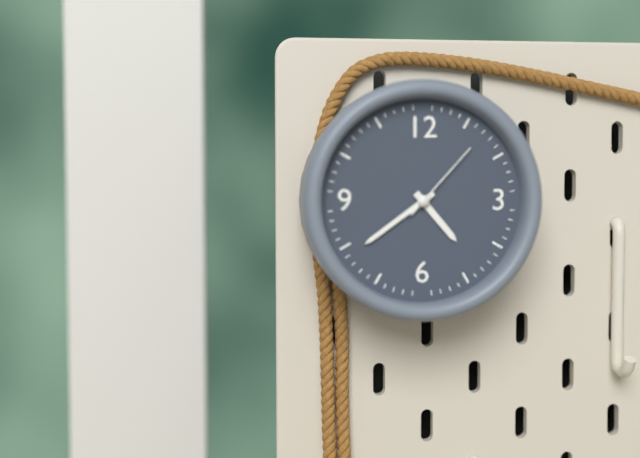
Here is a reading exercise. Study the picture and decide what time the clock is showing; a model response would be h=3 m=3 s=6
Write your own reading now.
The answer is h=4 m=39 s=7
